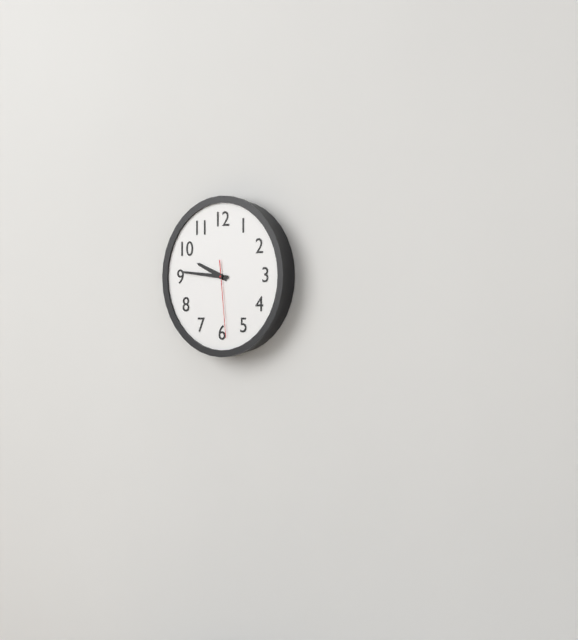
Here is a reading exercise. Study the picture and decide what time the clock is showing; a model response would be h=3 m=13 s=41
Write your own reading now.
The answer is h=9 m=46 s=29
